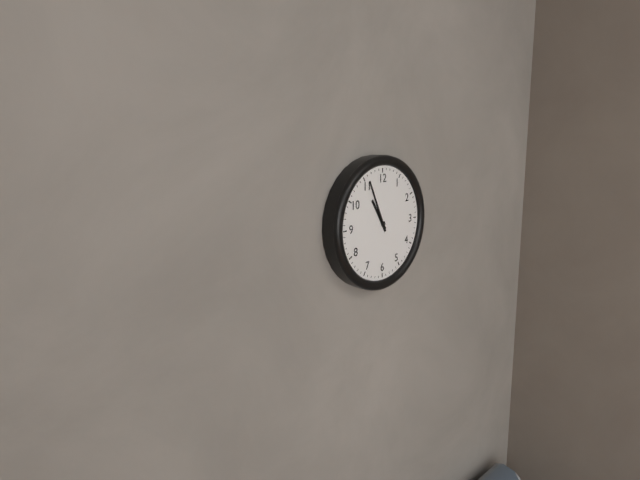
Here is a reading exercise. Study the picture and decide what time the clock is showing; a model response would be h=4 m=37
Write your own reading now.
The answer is h=10 m=56
